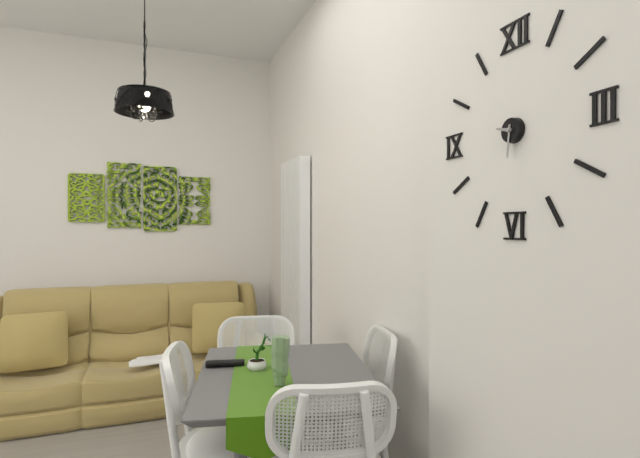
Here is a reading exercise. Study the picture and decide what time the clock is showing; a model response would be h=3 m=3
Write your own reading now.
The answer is h=9 m=31
